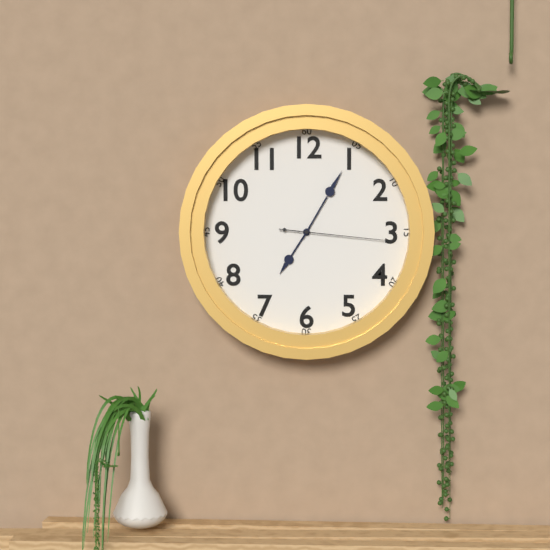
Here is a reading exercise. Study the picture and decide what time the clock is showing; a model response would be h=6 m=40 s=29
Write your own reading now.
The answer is h=7 m=5 s=16
